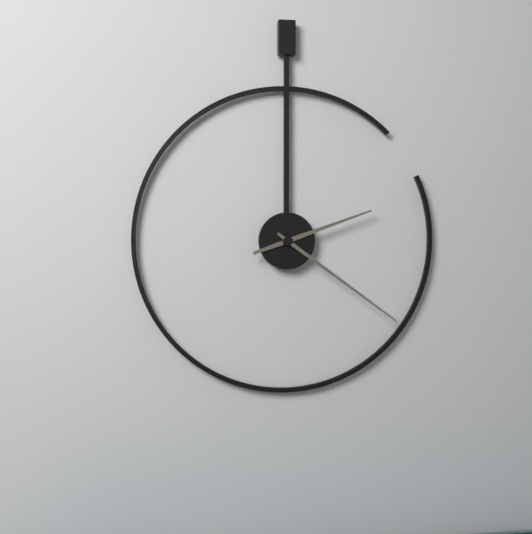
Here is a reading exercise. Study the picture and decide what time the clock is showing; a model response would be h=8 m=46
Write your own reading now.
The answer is h=2 m=21
